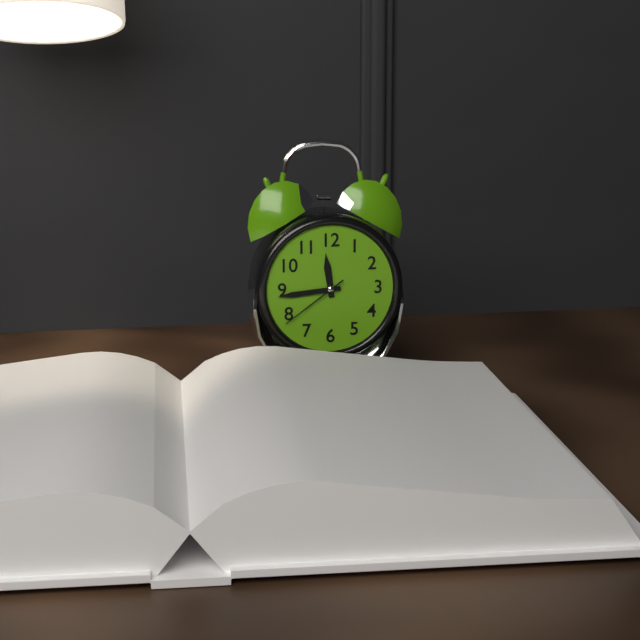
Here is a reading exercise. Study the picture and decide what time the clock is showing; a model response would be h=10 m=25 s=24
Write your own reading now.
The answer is h=11 m=44 s=39
